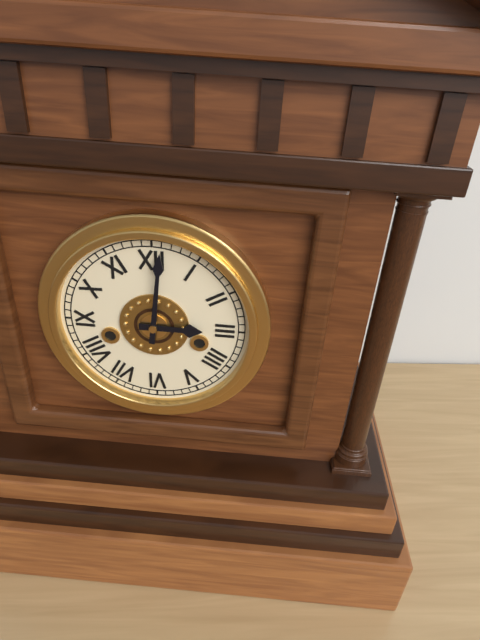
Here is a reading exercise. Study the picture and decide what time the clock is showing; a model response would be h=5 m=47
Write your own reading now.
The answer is h=3 m=1
